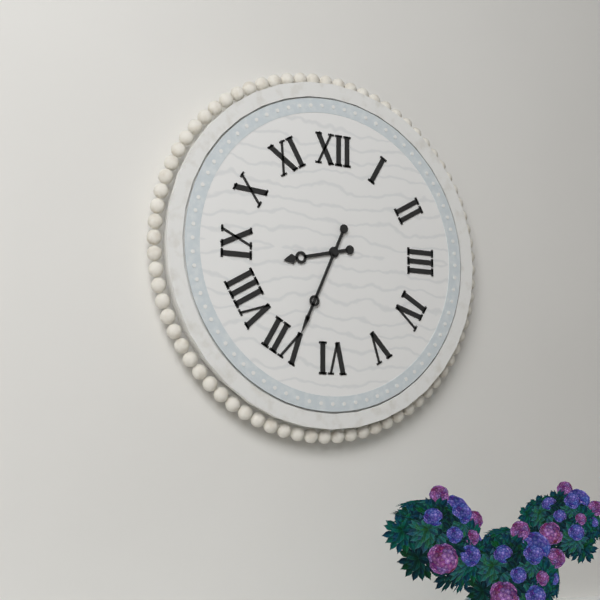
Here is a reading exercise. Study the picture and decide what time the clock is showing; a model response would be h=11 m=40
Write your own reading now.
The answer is h=8 m=34
